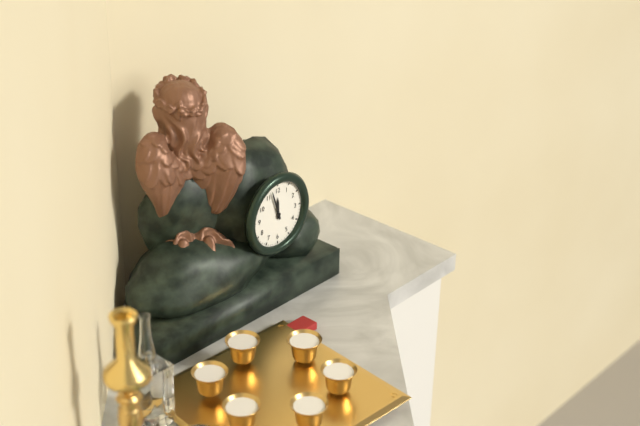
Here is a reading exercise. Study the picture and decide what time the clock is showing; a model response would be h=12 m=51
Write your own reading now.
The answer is h=11 m=57
